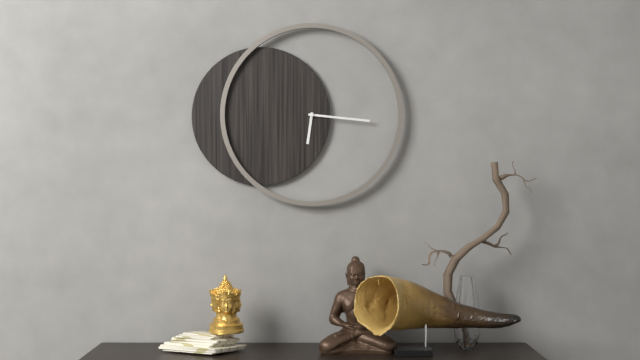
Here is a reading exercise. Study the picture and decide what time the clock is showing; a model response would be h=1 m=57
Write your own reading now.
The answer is h=6 m=16
